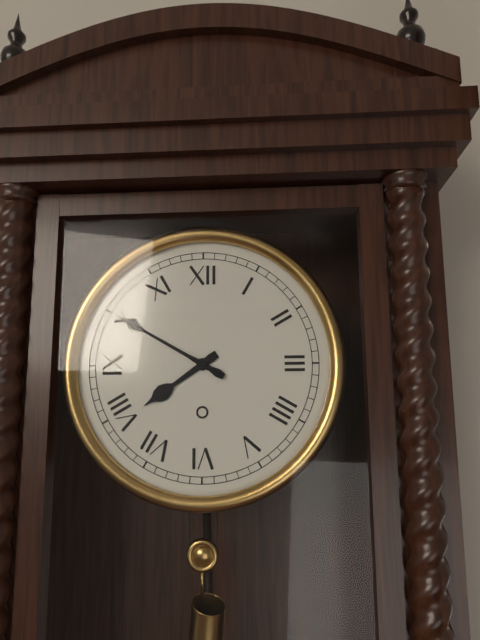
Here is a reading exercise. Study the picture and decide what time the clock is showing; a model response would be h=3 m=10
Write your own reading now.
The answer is h=7 m=50
